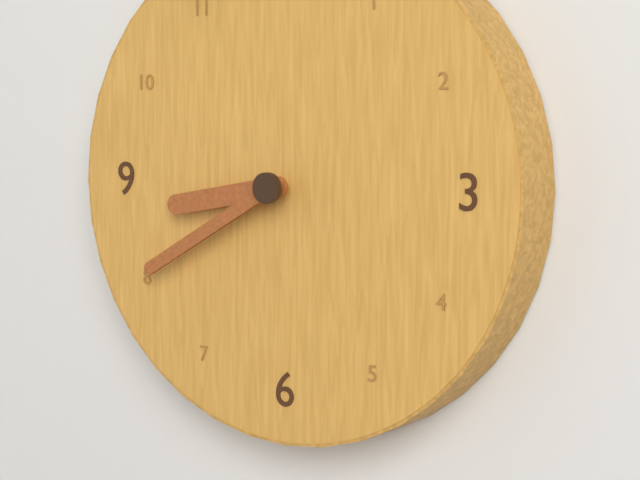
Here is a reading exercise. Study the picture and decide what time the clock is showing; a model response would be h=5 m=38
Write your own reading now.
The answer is h=8 m=40
